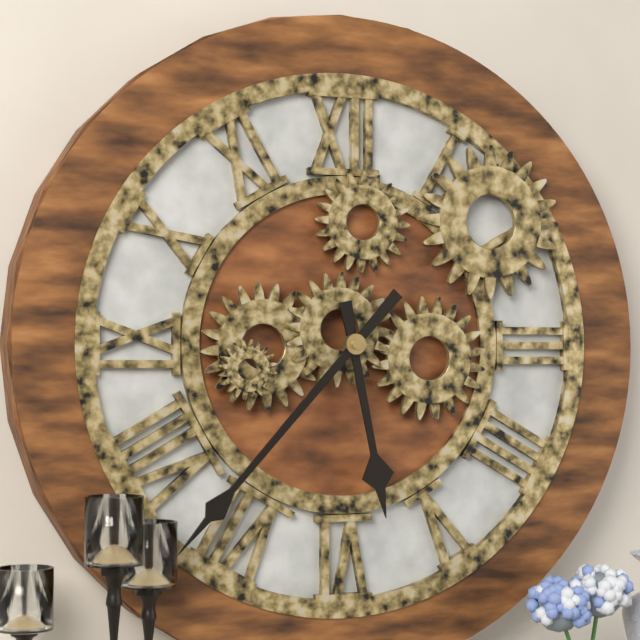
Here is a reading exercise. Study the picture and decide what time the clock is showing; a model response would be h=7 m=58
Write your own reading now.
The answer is h=5 m=37
